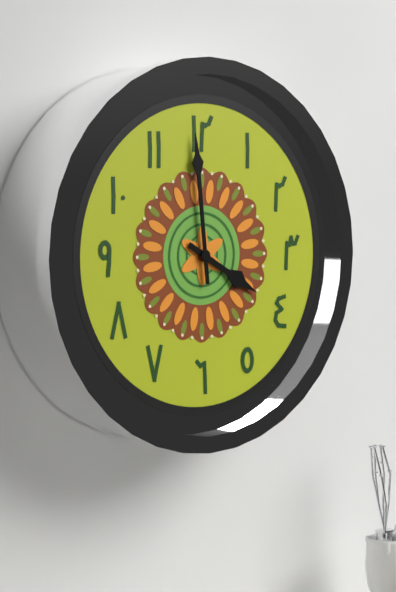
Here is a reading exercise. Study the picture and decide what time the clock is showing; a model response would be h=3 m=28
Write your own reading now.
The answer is h=3 m=59
